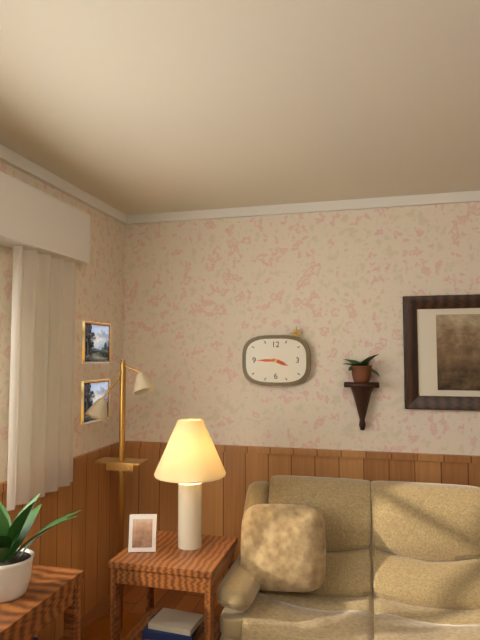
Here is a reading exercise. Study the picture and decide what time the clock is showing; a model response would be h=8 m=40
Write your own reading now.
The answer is h=3 m=45
